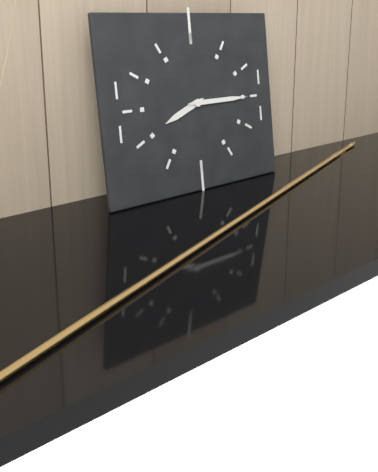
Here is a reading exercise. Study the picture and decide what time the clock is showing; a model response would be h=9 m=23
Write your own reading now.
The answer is h=8 m=15
